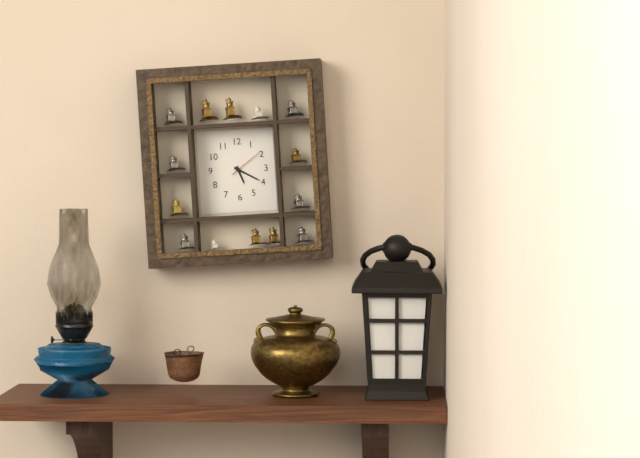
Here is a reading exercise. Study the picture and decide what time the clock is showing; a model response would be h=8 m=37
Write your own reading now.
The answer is h=5 m=20
